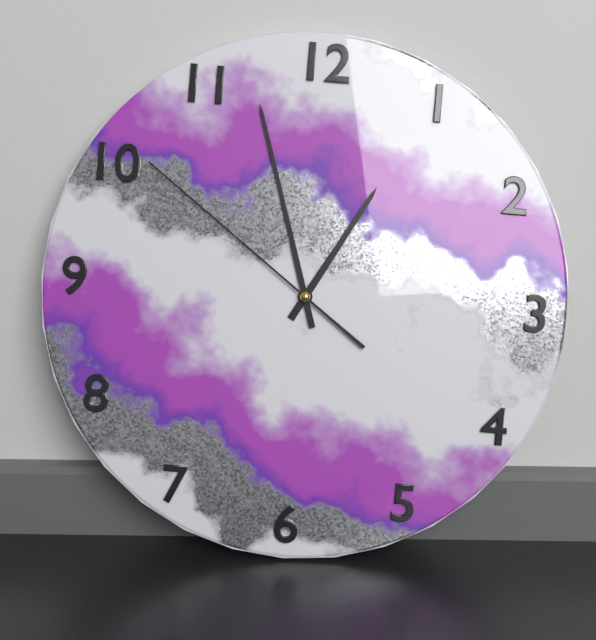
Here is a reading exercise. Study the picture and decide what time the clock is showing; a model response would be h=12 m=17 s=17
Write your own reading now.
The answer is h=12 m=57 s=51
